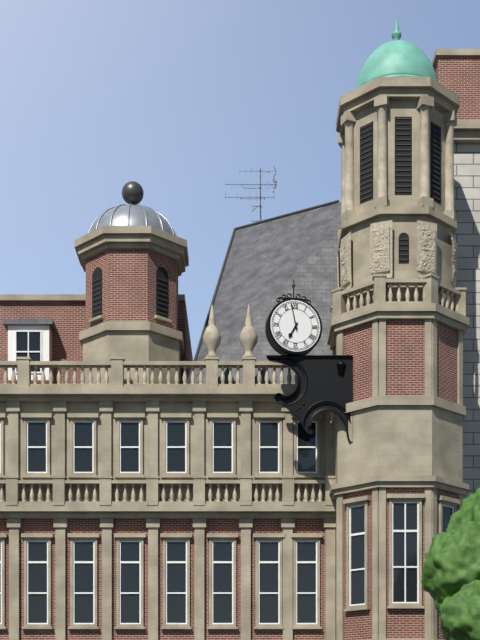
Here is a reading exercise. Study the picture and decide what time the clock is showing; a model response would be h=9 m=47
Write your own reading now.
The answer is h=6 m=58
